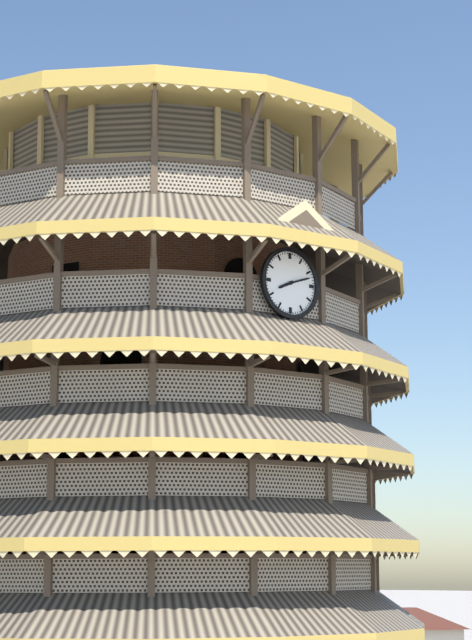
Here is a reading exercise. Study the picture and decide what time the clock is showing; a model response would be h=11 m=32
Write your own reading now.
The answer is h=8 m=12
